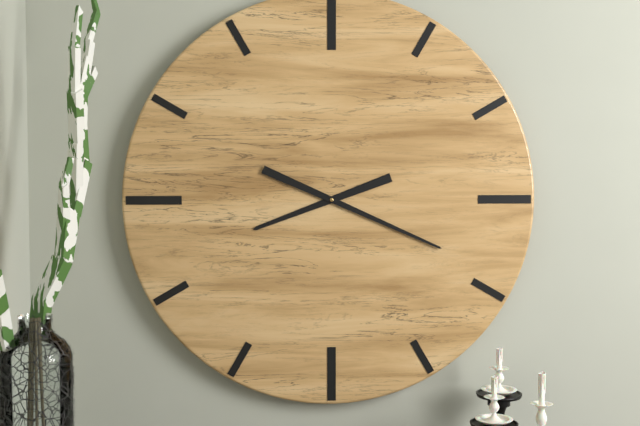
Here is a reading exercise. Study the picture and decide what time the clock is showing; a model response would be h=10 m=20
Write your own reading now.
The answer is h=8 m=19
